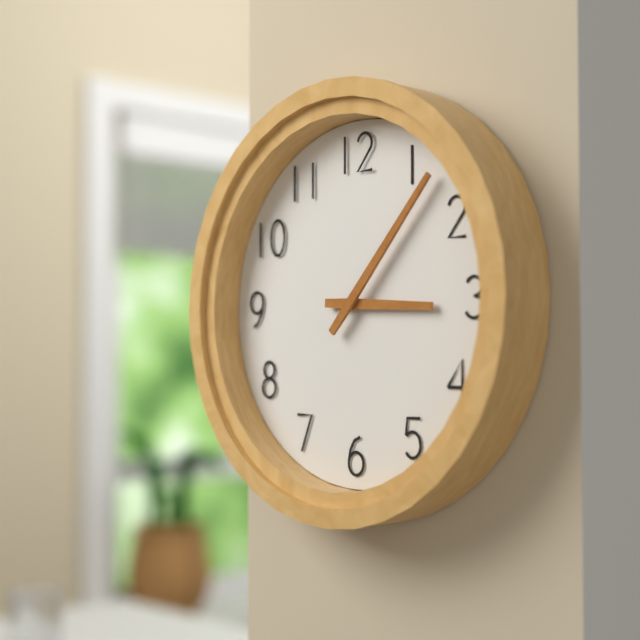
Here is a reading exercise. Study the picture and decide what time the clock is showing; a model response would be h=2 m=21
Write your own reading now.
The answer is h=3 m=7
